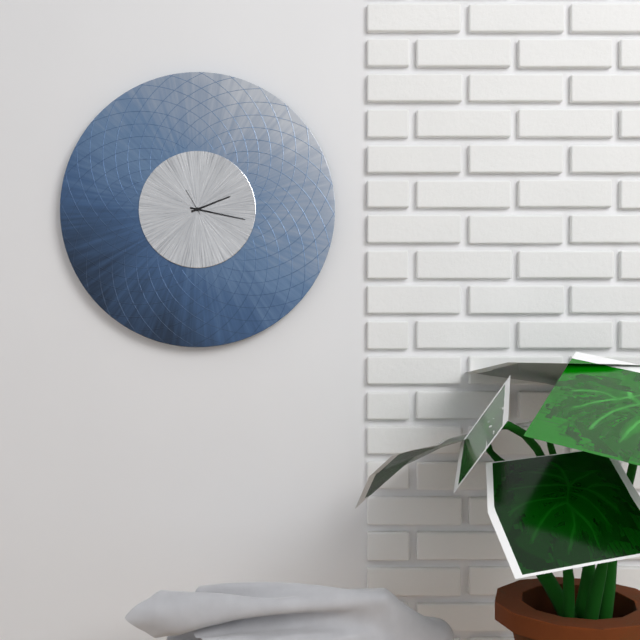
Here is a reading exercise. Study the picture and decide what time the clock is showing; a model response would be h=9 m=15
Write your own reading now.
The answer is h=2 m=17
